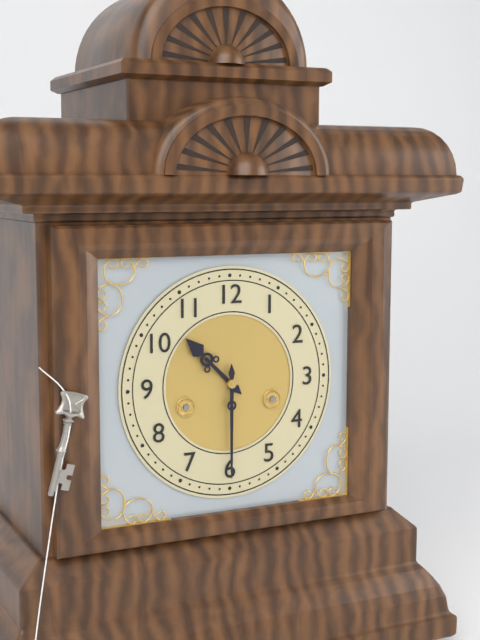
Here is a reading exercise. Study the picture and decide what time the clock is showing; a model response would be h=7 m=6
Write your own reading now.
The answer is h=10 m=30
